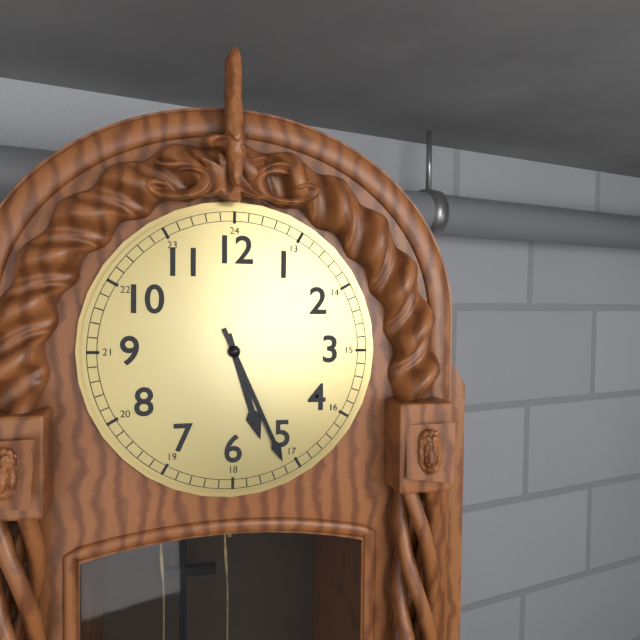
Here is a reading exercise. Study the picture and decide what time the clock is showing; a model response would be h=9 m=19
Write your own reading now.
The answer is h=5 m=26
